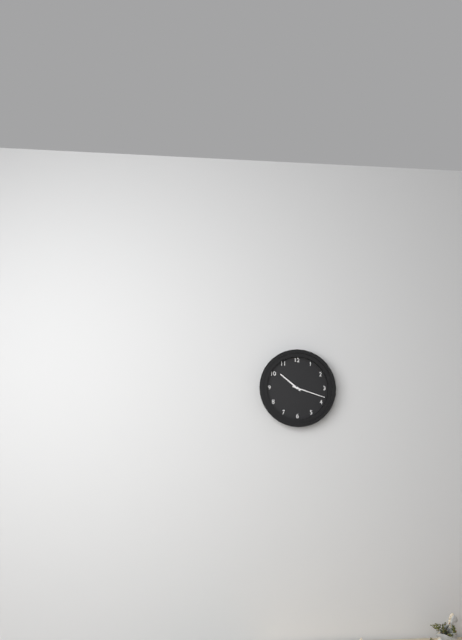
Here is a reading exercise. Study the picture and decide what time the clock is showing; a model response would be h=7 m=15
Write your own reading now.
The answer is h=10 m=18
